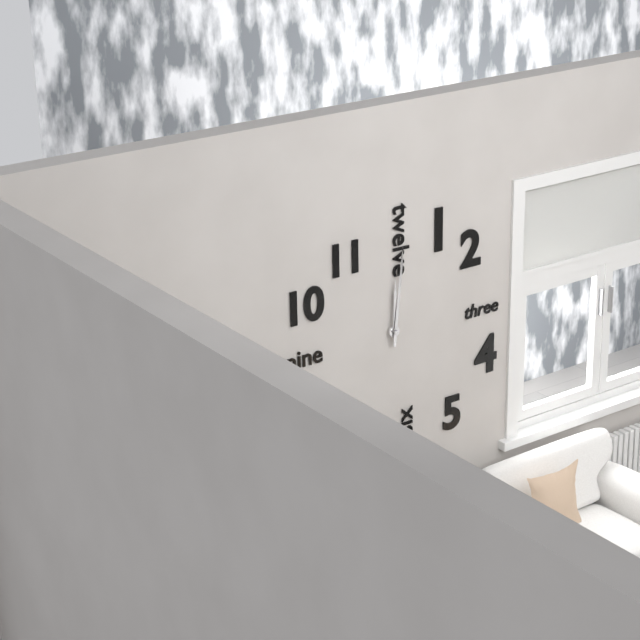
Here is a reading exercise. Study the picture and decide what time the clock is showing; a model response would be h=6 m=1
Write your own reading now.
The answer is h=12 m=1
